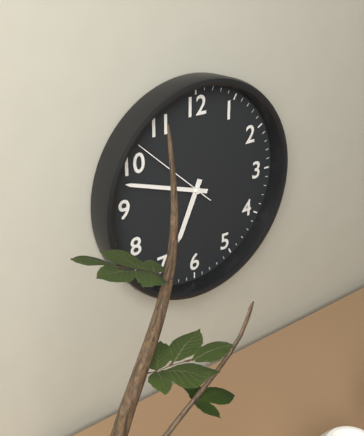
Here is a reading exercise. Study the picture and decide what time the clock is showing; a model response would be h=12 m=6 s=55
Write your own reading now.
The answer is h=6 m=48 s=52
